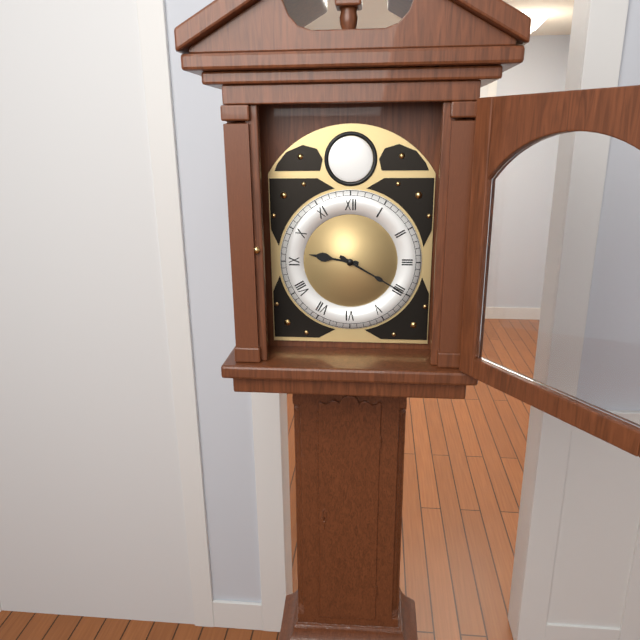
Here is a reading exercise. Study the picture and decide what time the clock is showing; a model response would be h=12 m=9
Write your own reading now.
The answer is h=9 m=20
